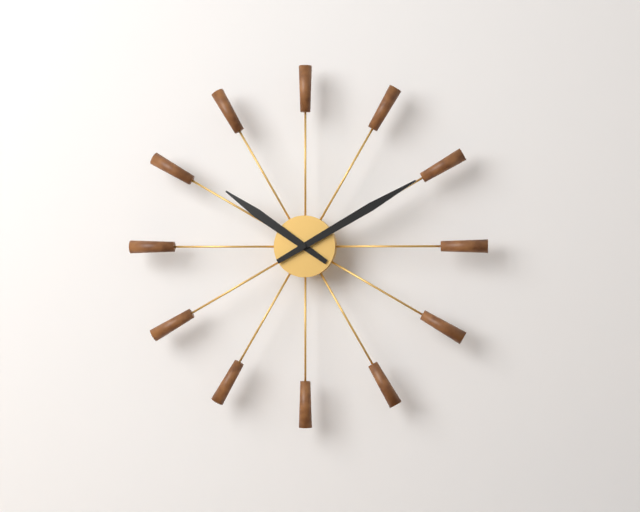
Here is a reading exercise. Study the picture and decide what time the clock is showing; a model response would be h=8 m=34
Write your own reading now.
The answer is h=10 m=10
